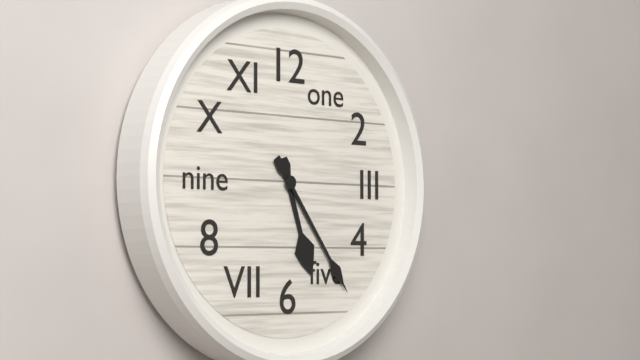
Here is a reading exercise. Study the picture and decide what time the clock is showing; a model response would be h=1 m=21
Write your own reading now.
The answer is h=5 m=24
